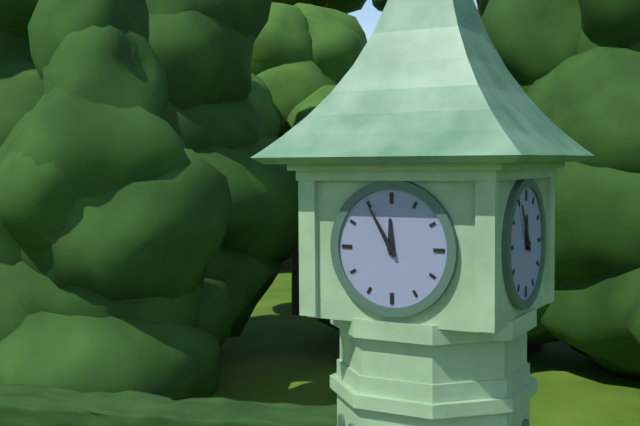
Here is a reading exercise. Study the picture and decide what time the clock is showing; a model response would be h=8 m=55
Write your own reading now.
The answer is h=11 m=55
